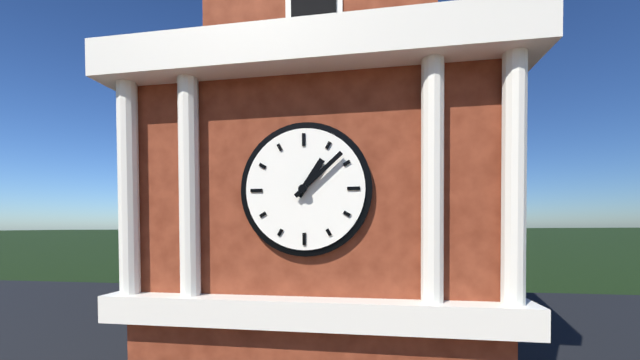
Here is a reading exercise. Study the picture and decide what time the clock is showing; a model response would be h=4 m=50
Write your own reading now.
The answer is h=1 m=8
